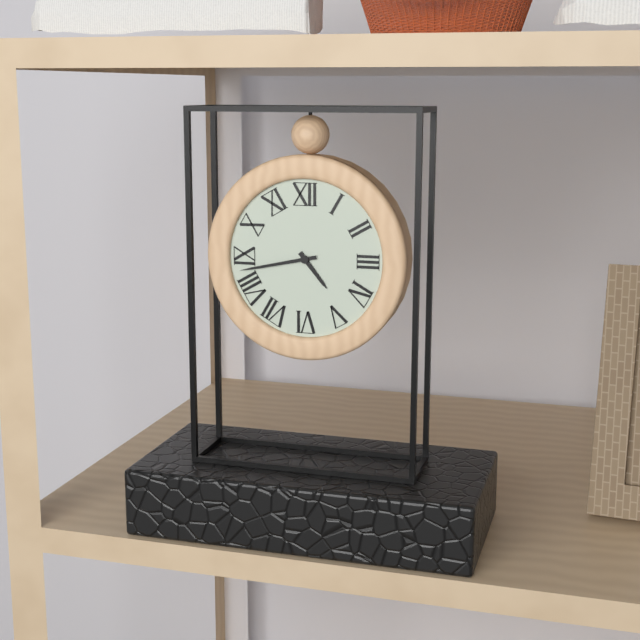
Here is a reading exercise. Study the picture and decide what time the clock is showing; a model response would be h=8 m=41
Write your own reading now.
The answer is h=4 m=43
